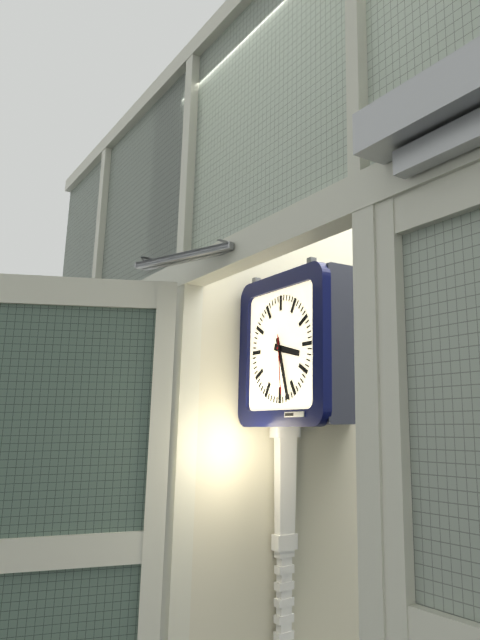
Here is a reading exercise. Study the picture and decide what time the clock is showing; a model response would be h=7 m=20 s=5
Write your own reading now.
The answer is h=3 m=27 s=29
